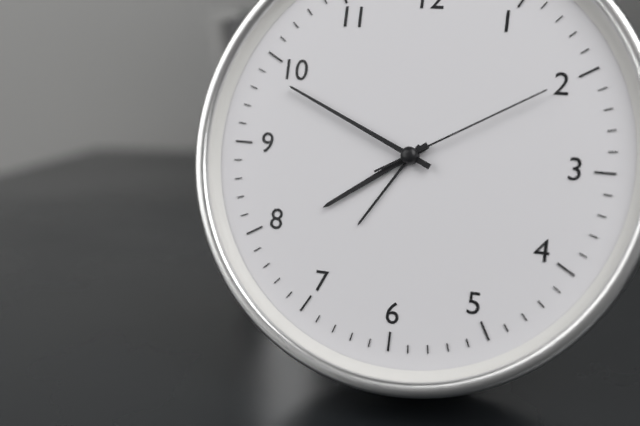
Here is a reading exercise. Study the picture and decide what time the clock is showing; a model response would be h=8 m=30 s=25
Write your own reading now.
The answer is h=7 m=49 s=10
